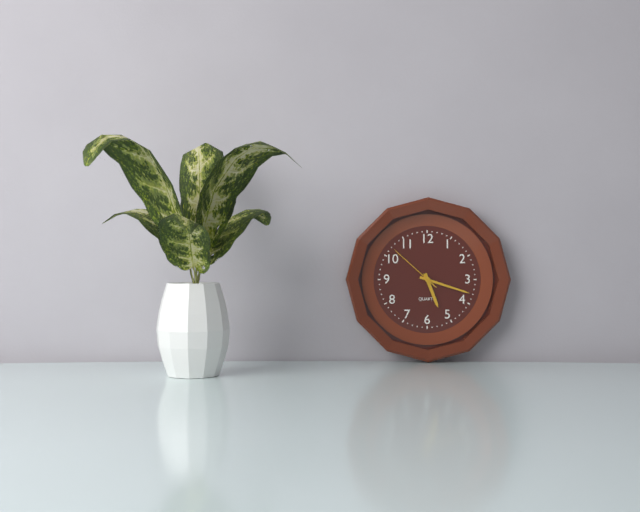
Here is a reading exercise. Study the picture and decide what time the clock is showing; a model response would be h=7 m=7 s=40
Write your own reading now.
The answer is h=5 m=18 s=52
